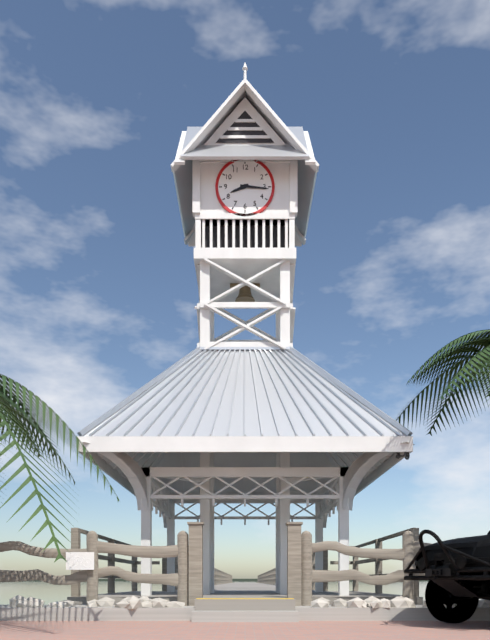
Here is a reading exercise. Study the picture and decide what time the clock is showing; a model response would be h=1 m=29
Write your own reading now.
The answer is h=8 m=16
